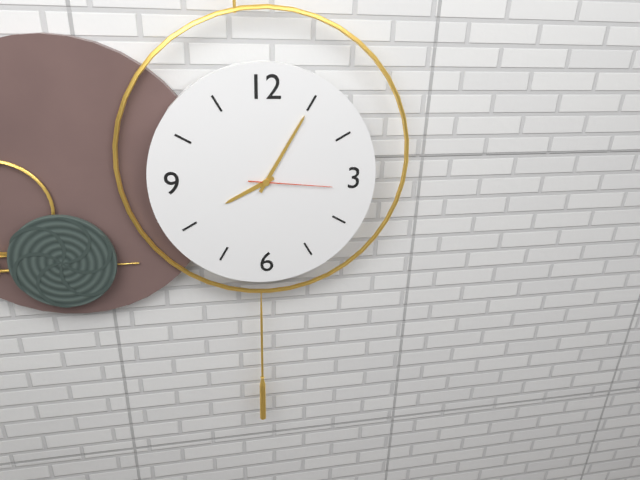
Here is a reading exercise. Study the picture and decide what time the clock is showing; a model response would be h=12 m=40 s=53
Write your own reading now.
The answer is h=8 m=5 s=16
